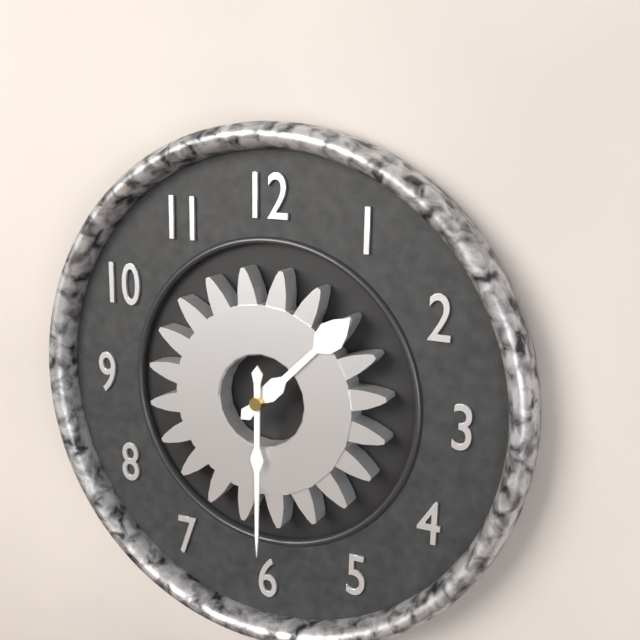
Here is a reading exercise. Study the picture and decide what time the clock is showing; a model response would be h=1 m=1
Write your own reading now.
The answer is h=1 m=30
